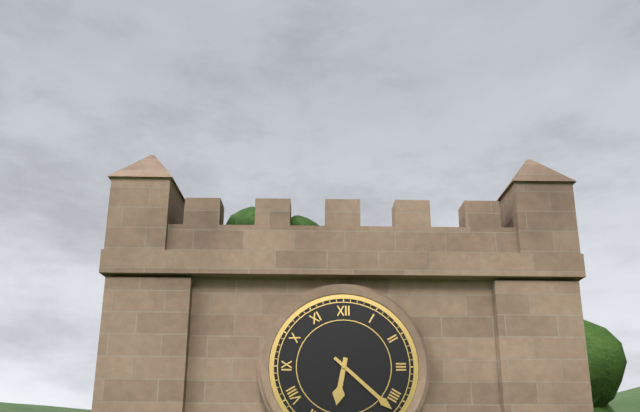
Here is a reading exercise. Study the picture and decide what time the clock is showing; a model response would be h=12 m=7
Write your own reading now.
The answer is h=6 m=22
